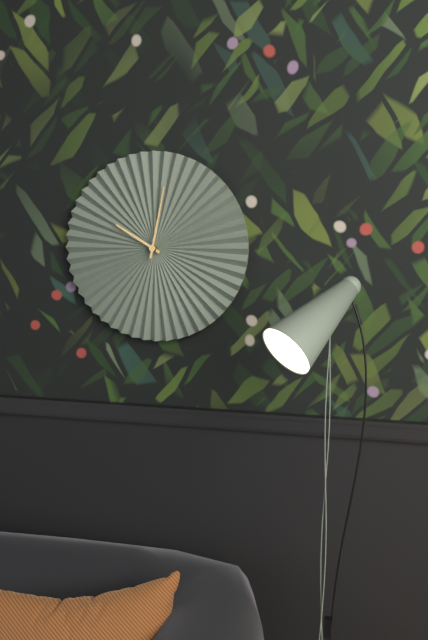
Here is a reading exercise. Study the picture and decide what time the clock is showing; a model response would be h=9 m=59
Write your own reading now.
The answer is h=10 m=2
